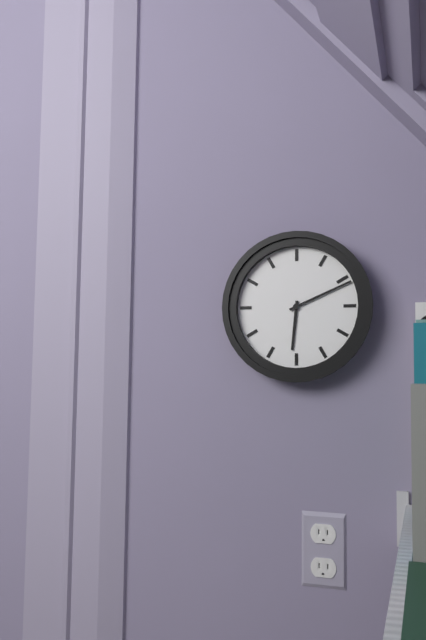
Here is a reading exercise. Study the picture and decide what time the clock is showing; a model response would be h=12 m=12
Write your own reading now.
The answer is h=6 m=11
